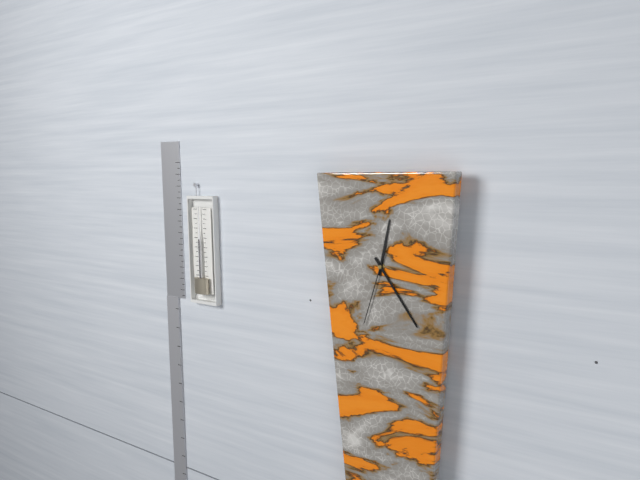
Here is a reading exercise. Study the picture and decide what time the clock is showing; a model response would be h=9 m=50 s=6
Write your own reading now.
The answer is h=12 m=24 s=33
